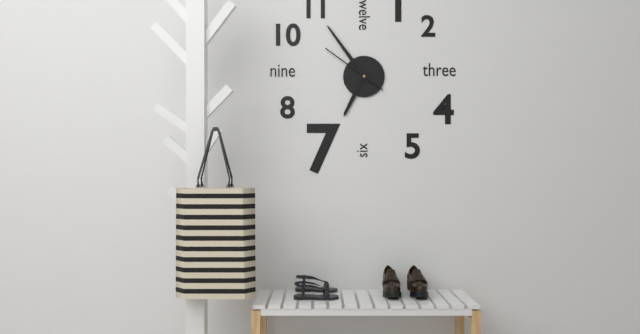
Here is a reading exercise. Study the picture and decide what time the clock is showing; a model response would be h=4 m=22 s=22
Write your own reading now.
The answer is h=6 m=54 s=51
